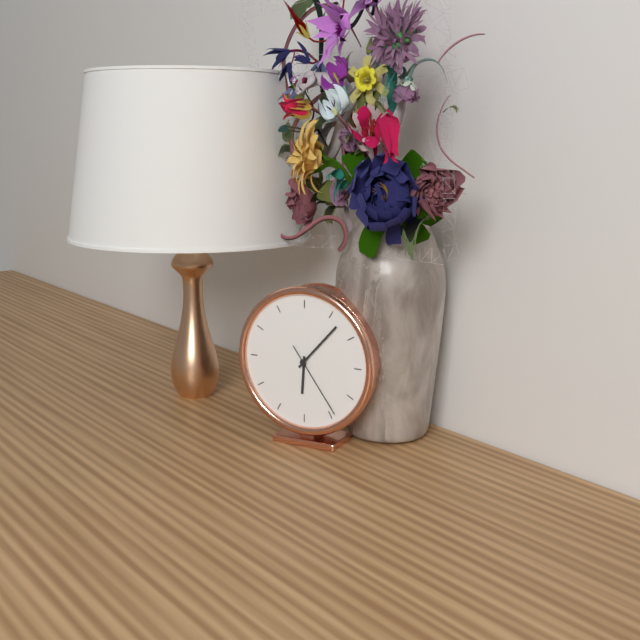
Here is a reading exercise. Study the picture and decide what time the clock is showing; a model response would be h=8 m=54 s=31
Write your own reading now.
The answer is h=6 m=7 s=24
